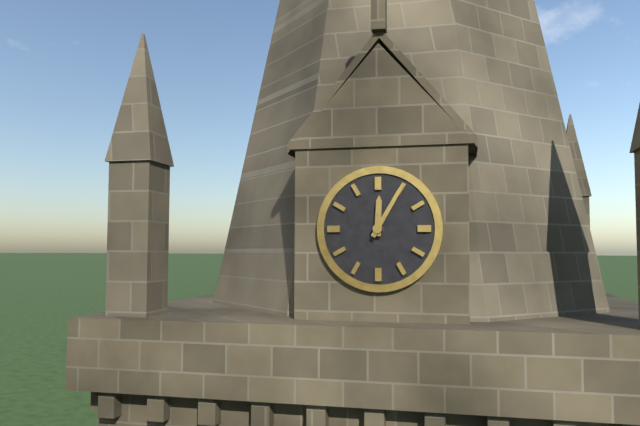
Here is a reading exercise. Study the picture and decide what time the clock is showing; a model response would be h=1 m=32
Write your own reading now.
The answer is h=12 m=5
